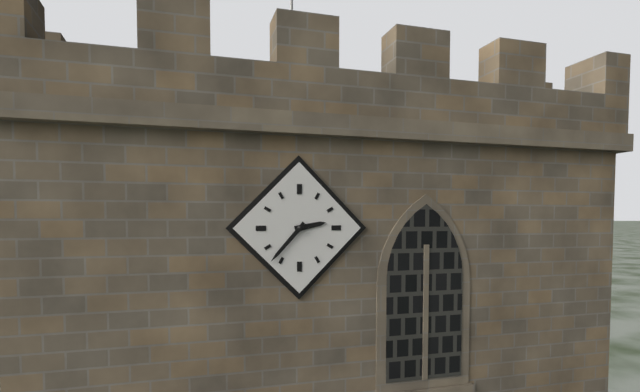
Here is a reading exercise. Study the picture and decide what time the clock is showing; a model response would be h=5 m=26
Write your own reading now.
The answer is h=2 m=37
